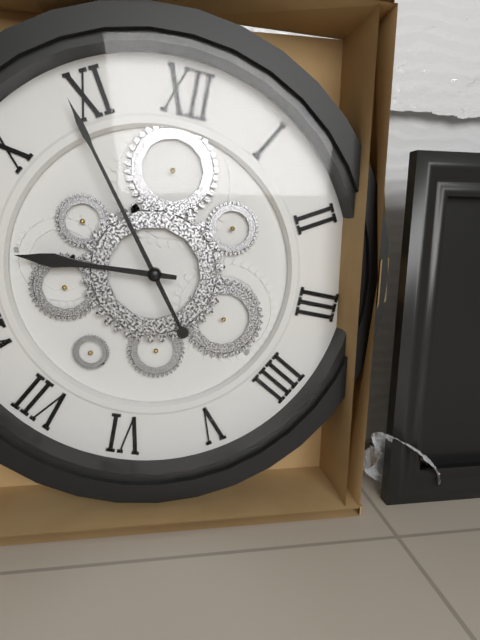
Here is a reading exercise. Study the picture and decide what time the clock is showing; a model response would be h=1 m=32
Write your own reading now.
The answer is h=8 m=54
